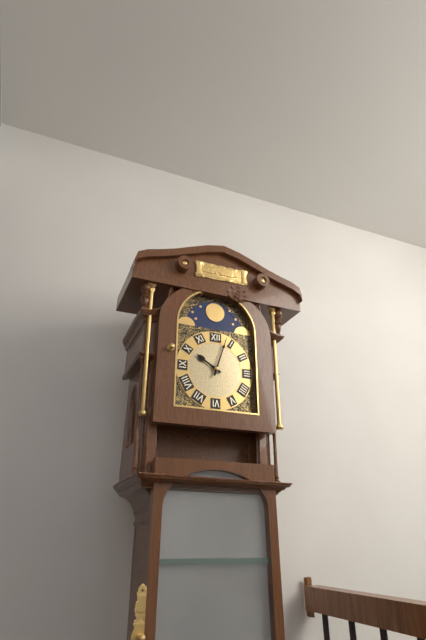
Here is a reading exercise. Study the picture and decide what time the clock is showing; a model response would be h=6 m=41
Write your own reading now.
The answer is h=10 m=3
